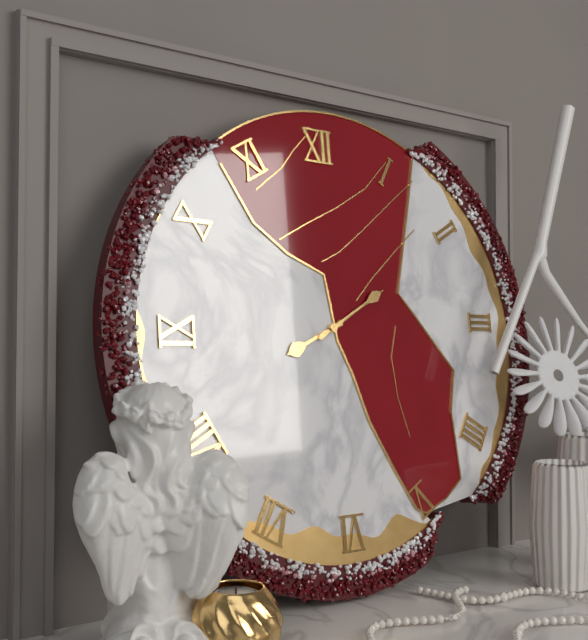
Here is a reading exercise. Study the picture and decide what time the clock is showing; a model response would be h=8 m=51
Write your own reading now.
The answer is h=8 m=10
